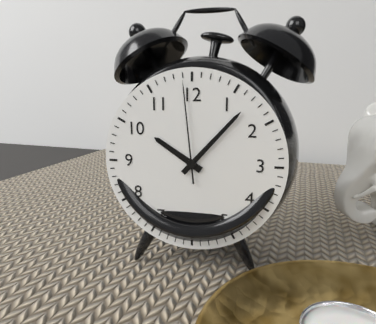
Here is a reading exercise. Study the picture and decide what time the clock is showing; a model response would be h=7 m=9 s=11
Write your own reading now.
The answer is h=10 m=7 s=59
